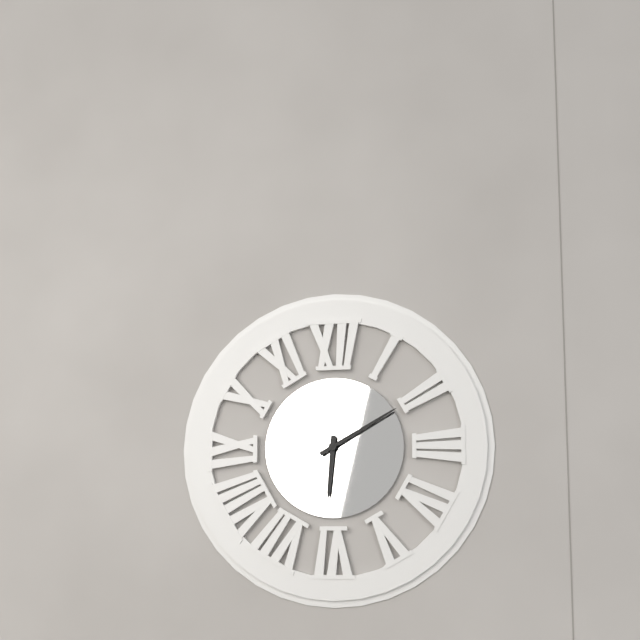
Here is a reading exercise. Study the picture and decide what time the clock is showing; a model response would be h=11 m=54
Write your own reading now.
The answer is h=6 m=10
